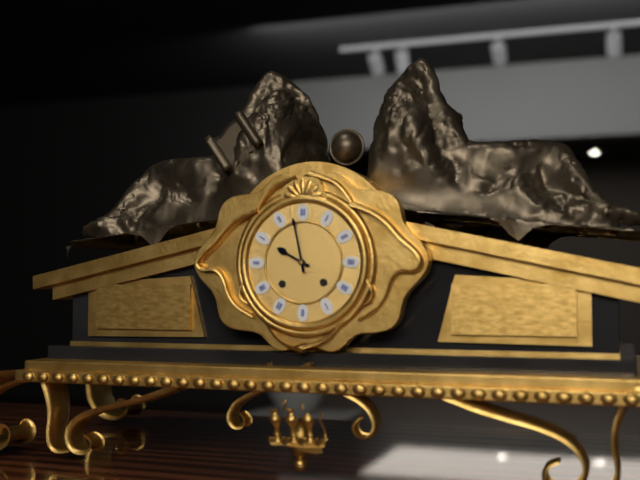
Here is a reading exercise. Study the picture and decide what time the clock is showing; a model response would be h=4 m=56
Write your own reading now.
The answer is h=9 m=58
